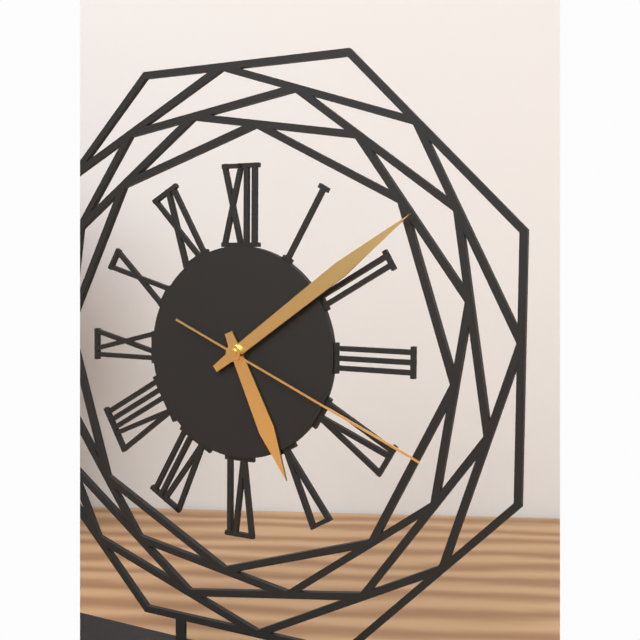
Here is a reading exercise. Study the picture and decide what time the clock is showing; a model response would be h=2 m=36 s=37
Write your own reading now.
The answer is h=5 m=9 s=19
